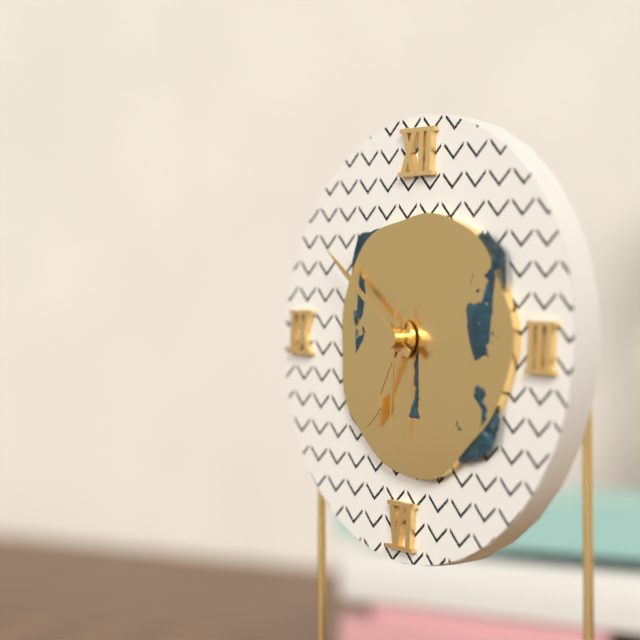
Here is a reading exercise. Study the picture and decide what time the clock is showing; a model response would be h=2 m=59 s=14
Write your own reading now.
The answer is h=6 m=51 s=30
